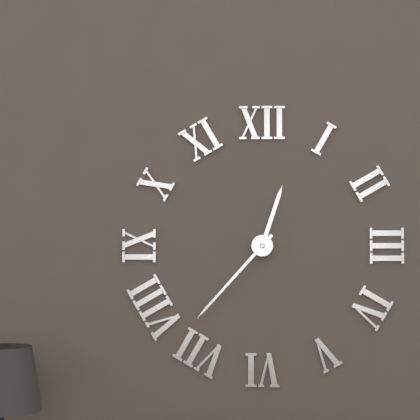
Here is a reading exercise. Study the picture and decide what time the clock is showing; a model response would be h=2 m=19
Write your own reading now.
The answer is h=12 m=37
